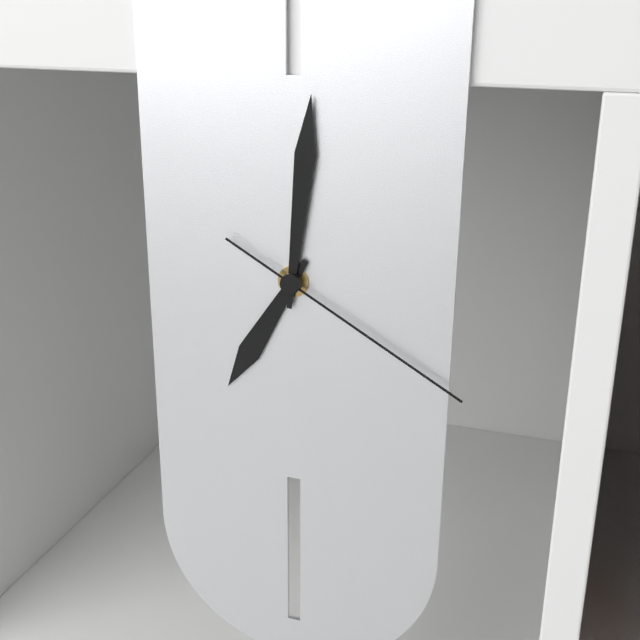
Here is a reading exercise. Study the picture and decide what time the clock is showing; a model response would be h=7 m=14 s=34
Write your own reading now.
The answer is h=7 m=1 s=20
